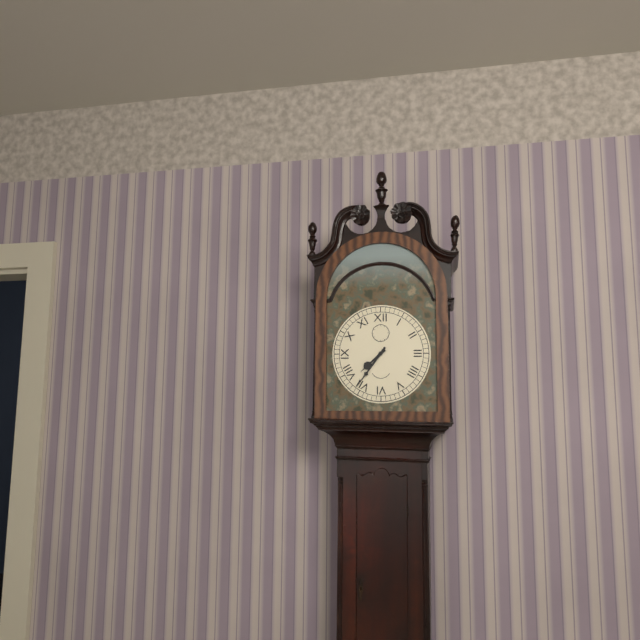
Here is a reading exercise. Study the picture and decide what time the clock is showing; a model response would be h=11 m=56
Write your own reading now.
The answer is h=7 m=36
